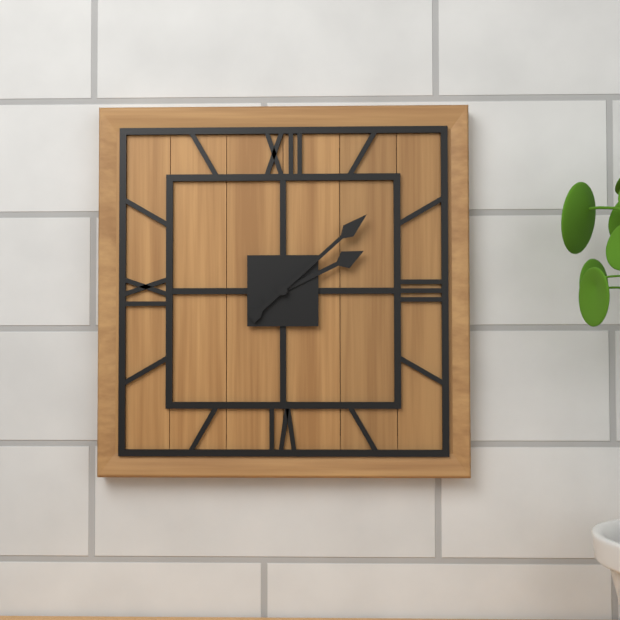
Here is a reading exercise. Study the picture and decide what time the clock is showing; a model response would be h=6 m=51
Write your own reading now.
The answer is h=2 m=8
